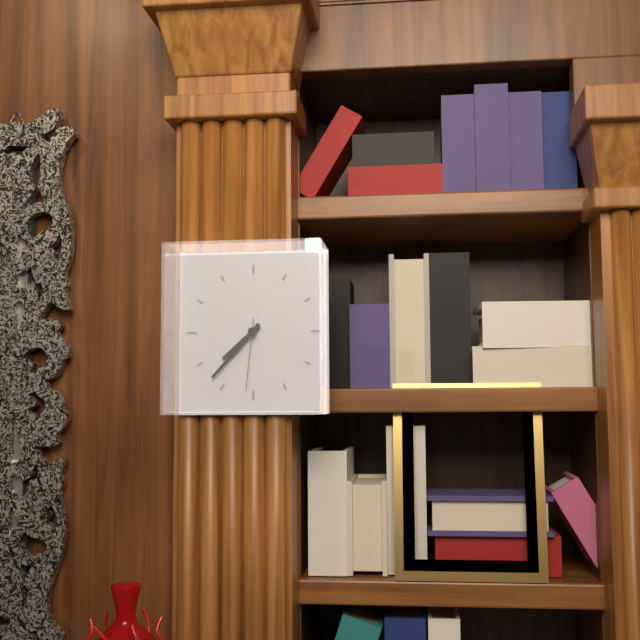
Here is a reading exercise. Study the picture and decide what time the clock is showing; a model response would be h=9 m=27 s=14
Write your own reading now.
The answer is h=7 m=37 s=31
